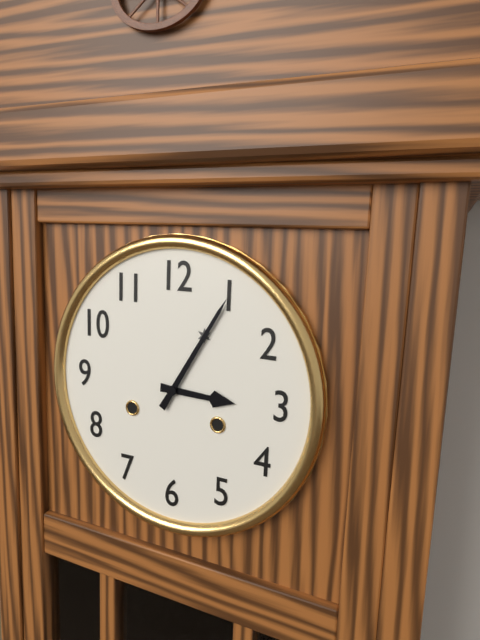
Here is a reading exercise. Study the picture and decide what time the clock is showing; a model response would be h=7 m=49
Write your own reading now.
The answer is h=3 m=5
